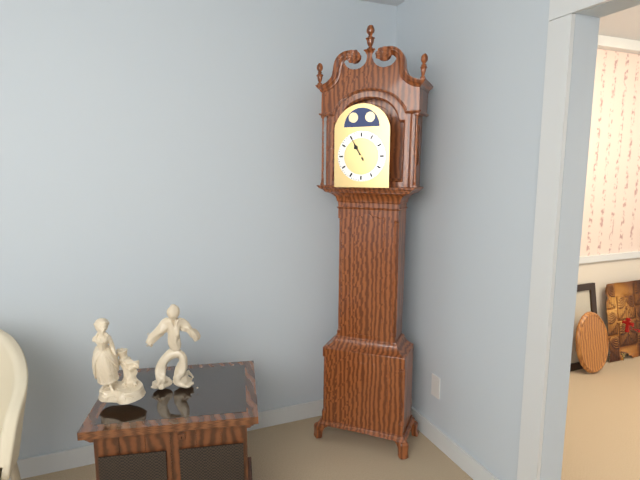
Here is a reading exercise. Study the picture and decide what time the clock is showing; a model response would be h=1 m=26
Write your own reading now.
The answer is h=10 m=55
